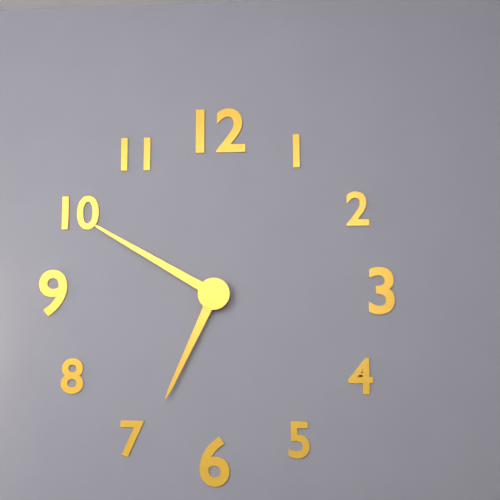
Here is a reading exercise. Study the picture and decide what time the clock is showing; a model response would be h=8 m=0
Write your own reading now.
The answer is h=6 m=50
